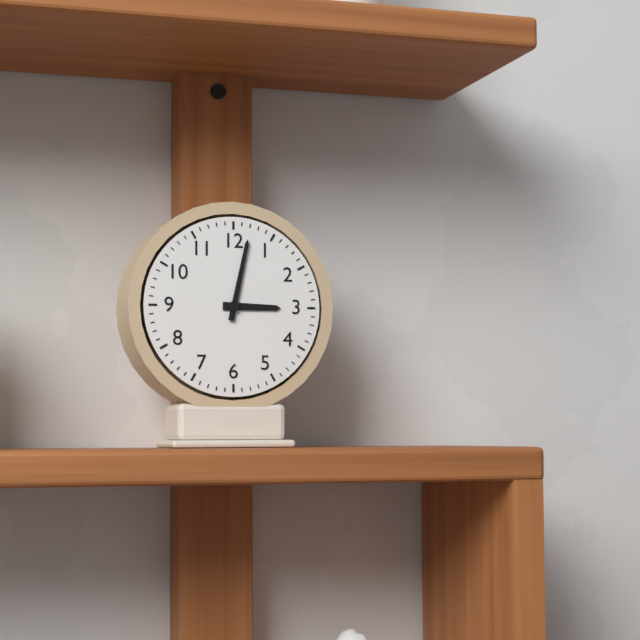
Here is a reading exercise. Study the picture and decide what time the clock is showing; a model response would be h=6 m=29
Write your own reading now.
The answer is h=3 m=2
